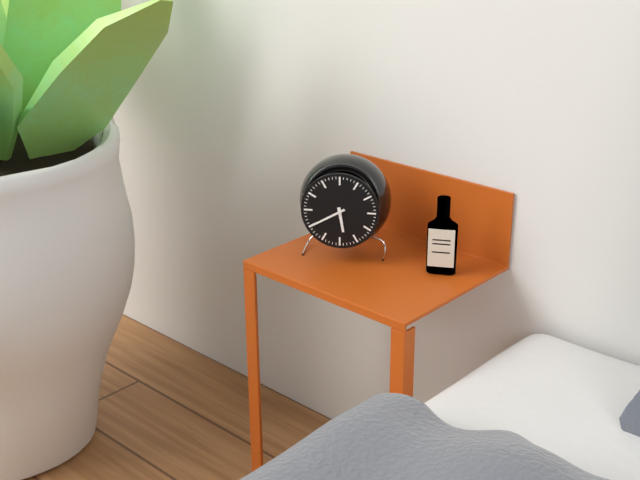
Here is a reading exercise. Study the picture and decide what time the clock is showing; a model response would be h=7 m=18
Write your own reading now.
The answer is h=5 m=40
